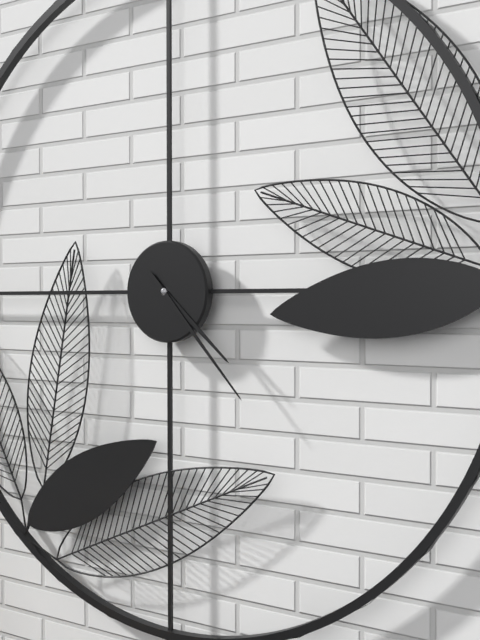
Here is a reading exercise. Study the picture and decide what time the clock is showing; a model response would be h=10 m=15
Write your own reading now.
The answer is h=4 m=23
